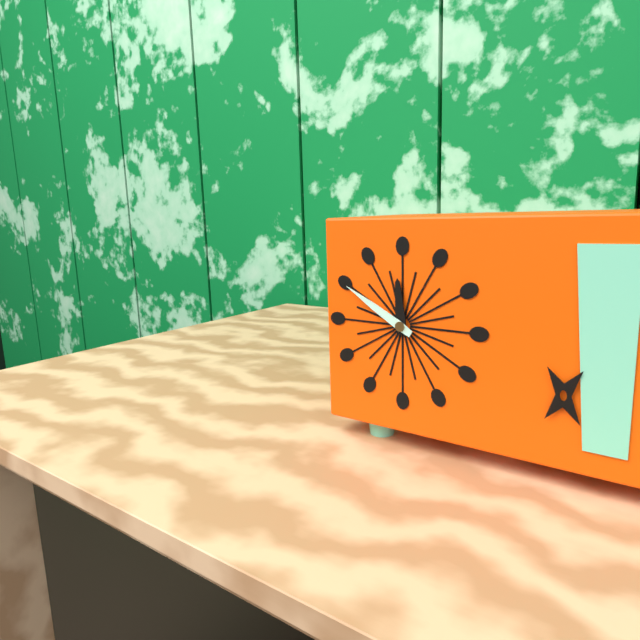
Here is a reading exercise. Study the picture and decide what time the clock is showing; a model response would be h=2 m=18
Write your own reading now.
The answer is h=11 m=50
